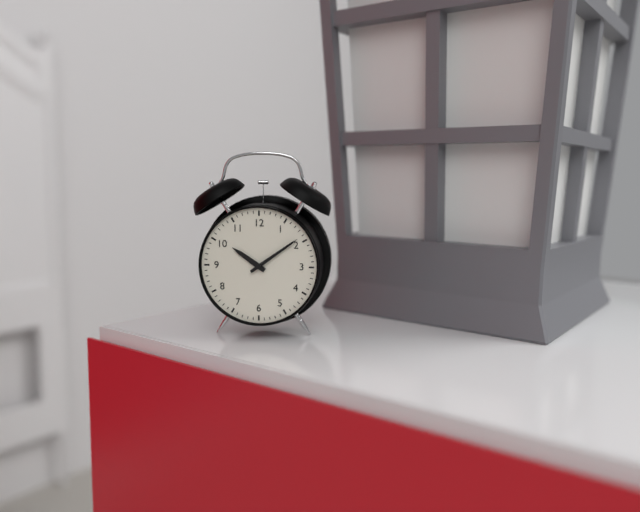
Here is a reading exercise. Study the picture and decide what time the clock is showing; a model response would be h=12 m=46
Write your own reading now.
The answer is h=10 m=9
